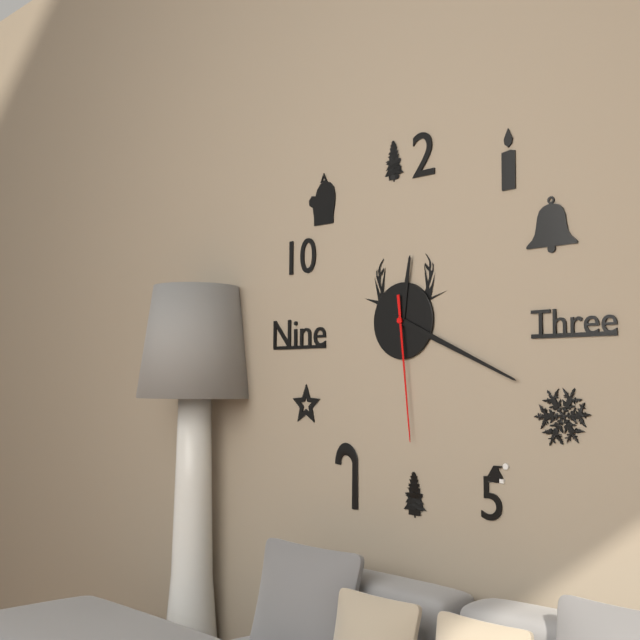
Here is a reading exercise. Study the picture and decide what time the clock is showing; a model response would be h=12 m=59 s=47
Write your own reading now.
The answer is h=12 m=19 s=29
